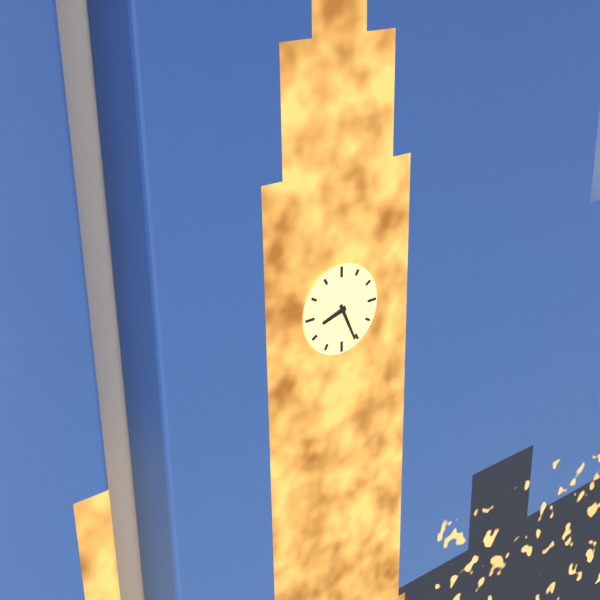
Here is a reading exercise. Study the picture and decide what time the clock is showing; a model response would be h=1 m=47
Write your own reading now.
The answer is h=8 m=26
